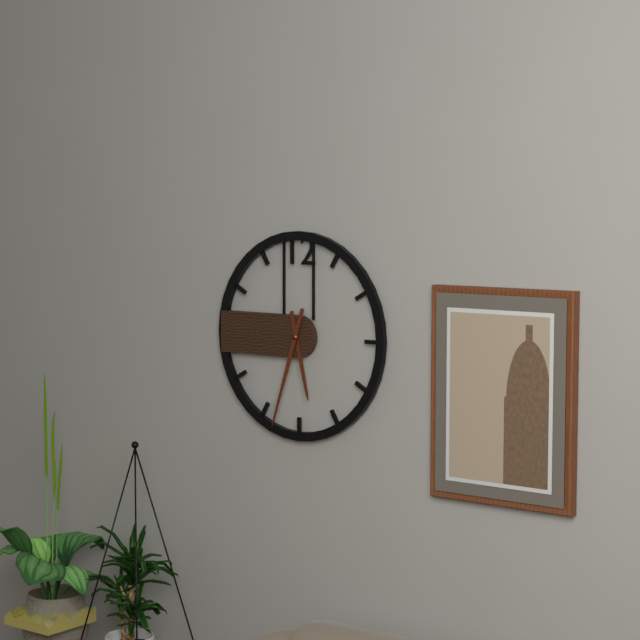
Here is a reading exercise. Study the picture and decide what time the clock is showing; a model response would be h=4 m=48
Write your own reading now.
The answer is h=5 m=33
